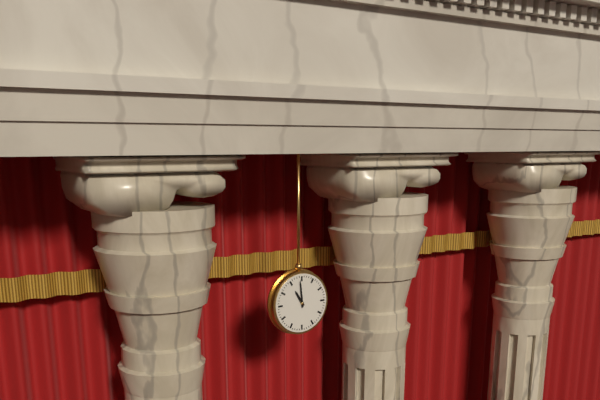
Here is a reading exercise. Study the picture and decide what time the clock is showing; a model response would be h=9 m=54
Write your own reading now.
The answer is h=10 m=59
